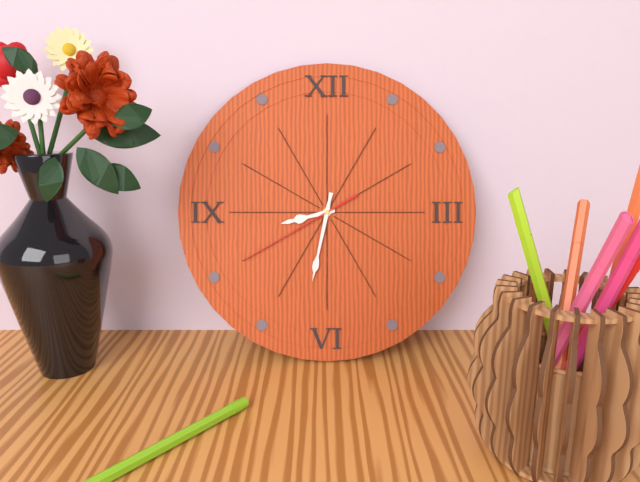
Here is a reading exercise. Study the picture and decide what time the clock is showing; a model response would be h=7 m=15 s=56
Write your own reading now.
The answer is h=8 m=32 s=40
